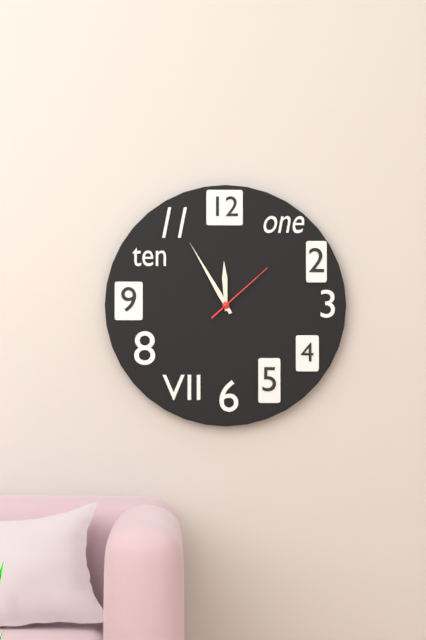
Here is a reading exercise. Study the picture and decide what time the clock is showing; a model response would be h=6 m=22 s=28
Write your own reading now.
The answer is h=11 m=55 s=8
